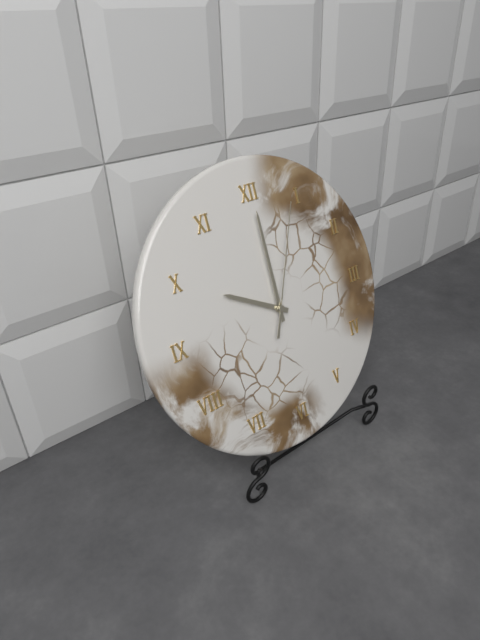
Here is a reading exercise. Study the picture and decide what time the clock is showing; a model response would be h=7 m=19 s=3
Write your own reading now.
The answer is h=10 m=0 s=4
